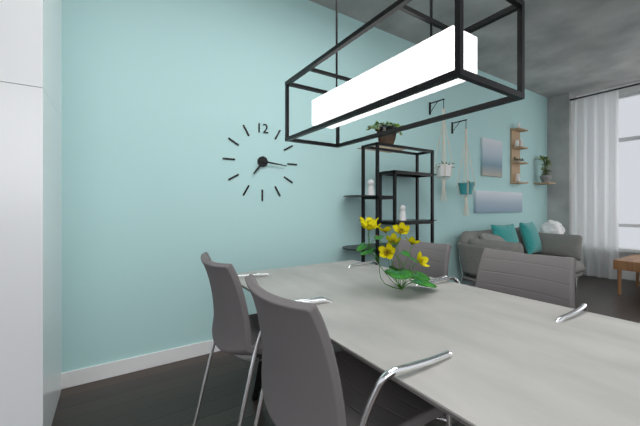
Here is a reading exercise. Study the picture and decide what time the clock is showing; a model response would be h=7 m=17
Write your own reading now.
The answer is h=7 m=16
